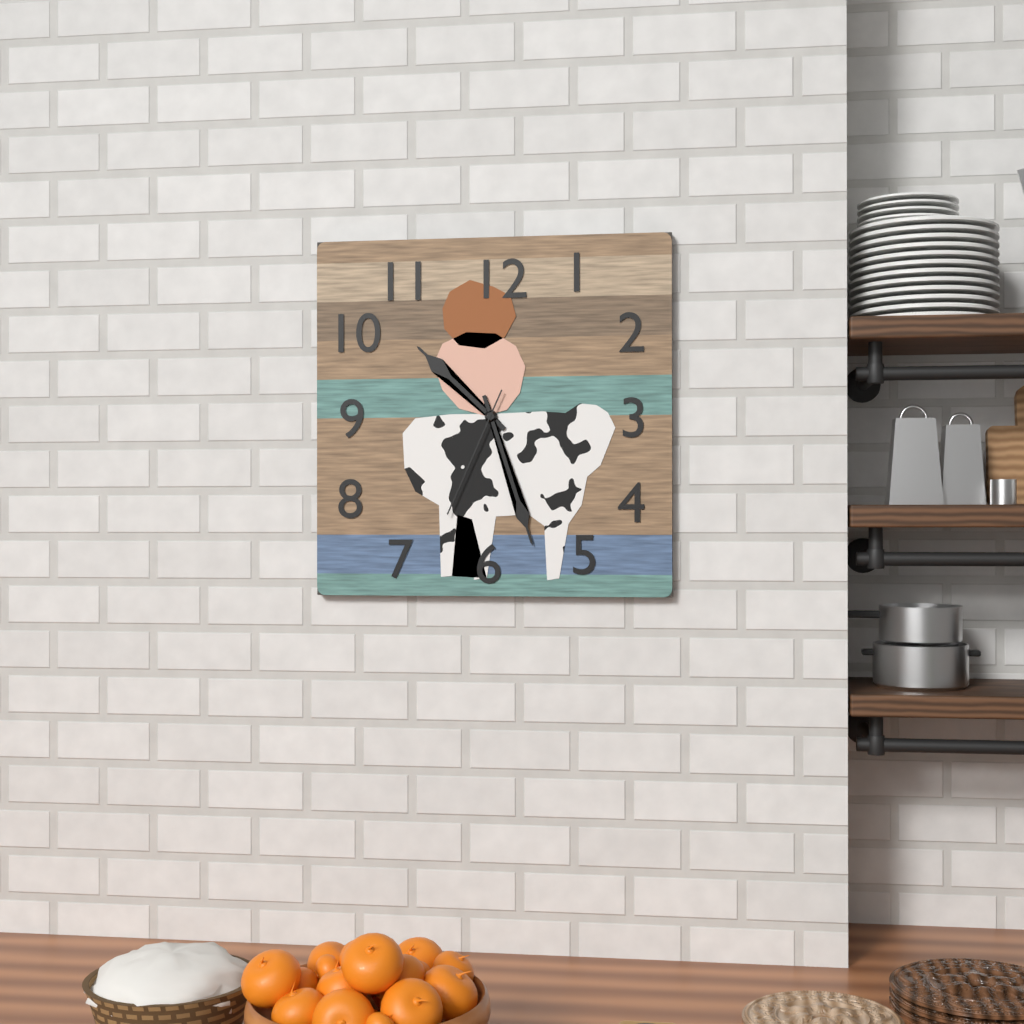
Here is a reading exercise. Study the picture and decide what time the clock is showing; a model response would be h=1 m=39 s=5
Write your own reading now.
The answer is h=10 m=27 s=34
